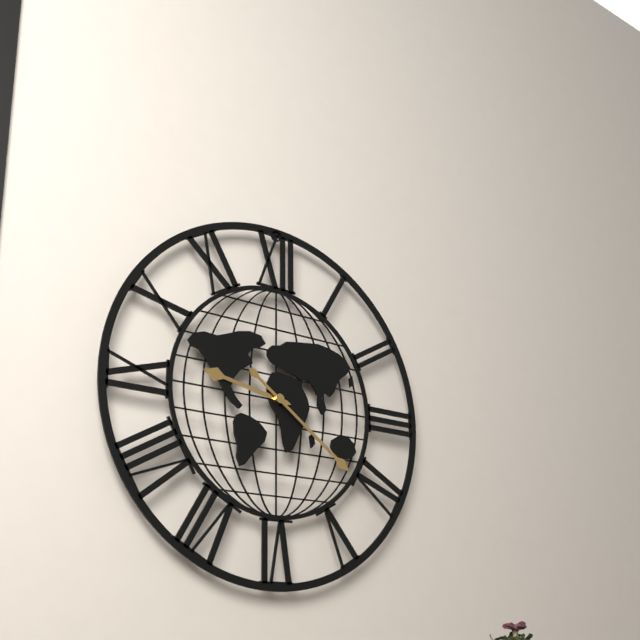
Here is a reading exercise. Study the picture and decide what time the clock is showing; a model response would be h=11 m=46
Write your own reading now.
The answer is h=9 m=21
